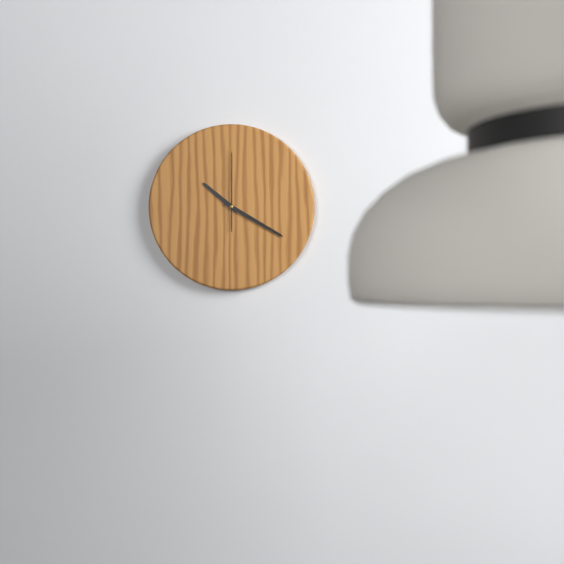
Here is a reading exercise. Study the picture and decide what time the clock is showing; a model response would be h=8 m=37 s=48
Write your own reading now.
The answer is h=10 m=20 s=0
